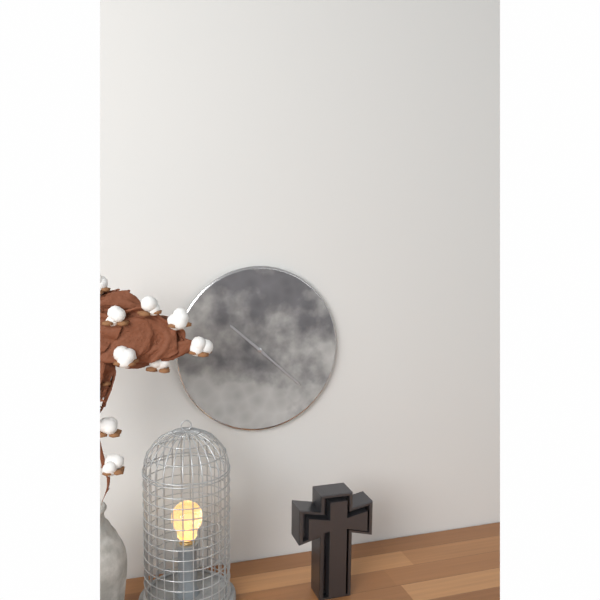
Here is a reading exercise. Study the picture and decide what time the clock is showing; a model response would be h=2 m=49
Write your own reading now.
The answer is h=10 m=22
